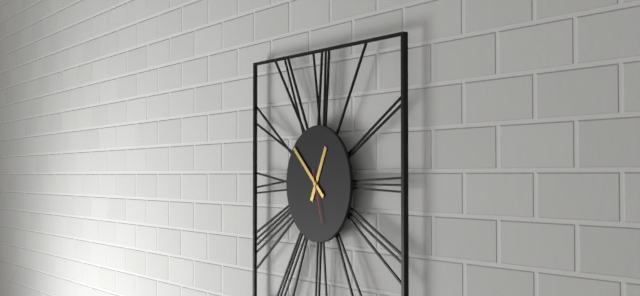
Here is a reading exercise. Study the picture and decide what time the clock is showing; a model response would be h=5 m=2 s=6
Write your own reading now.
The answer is h=12 m=52 s=27
